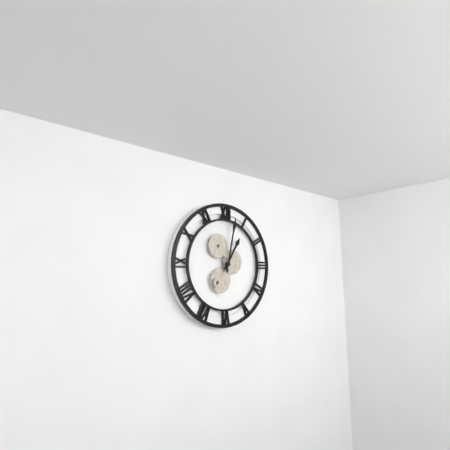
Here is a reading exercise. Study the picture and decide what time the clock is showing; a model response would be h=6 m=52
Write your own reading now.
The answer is h=1 m=2
